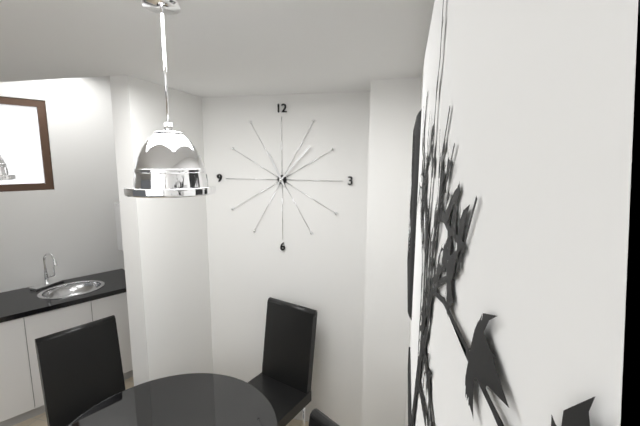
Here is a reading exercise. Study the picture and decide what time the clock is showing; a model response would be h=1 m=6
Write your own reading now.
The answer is h=11 m=7
